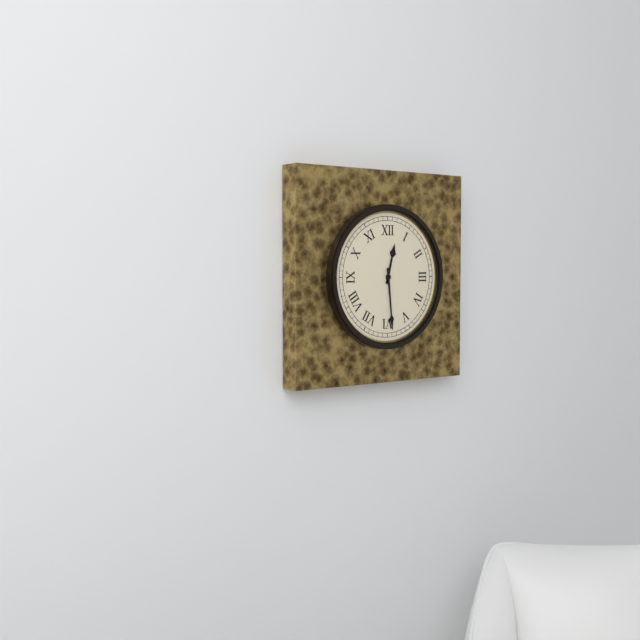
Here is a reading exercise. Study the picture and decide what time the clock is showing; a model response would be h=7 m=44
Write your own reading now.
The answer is h=12 m=29
